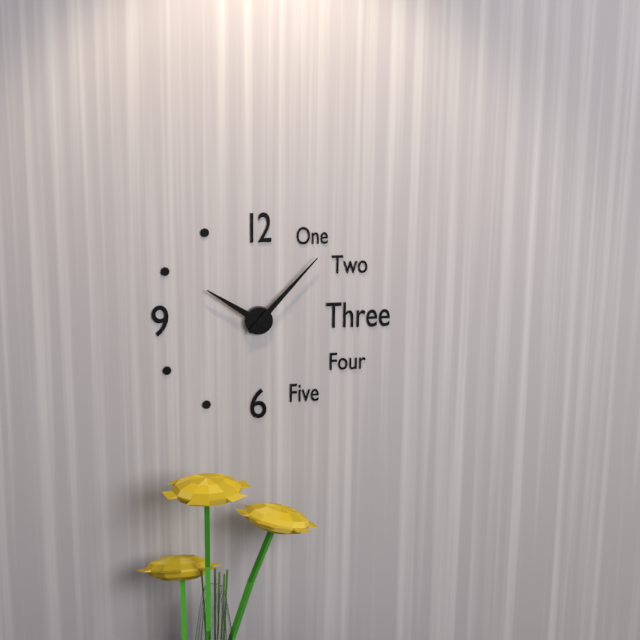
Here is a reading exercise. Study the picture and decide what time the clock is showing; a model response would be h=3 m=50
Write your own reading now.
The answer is h=10 m=7
